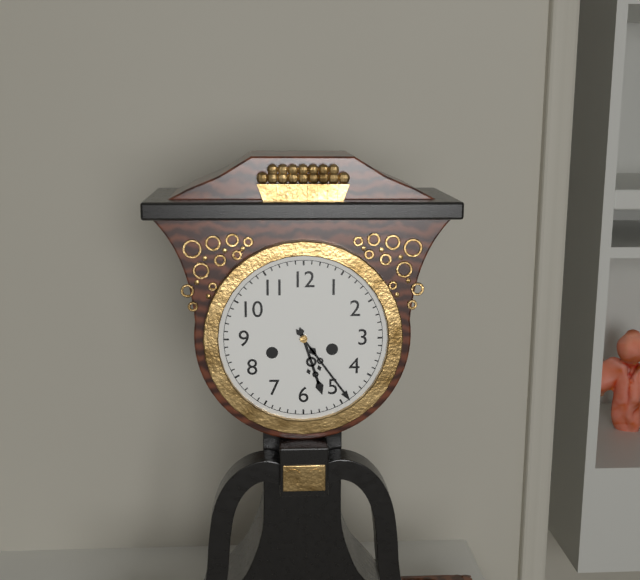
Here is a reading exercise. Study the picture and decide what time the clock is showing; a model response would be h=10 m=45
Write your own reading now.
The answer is h=5 m=24
